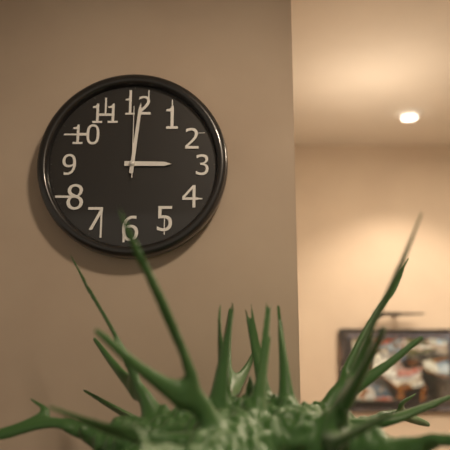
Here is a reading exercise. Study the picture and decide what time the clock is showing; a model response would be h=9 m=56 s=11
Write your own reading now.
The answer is h=3 m=1 s=0
